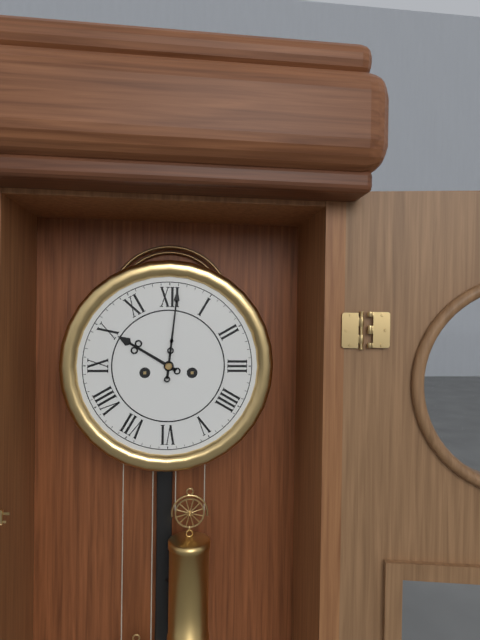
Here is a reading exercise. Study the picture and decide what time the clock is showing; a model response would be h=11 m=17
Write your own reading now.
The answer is h=10 m=1
